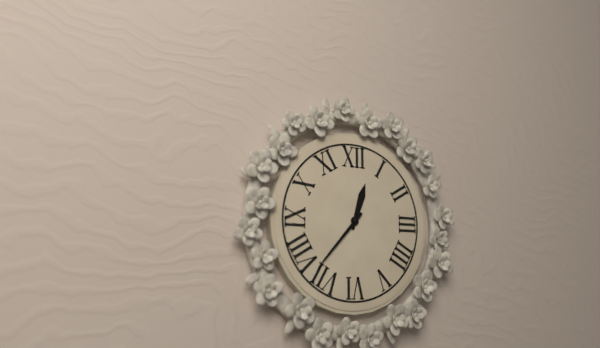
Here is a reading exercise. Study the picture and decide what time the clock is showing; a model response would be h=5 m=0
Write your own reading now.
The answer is h=12 m=37
